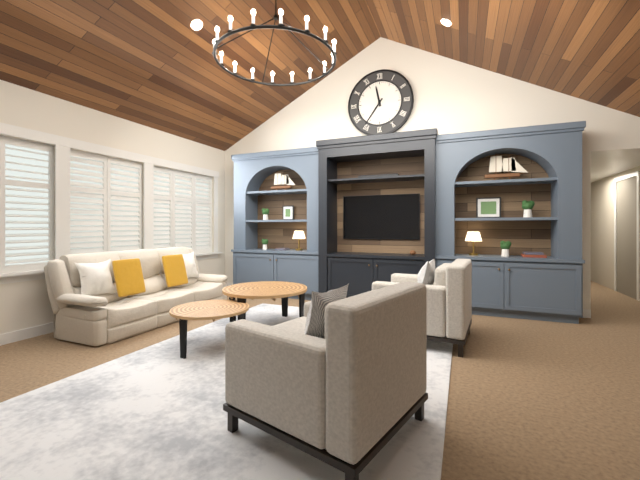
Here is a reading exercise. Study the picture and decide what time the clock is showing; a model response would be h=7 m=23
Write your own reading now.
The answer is h=11 m=36
